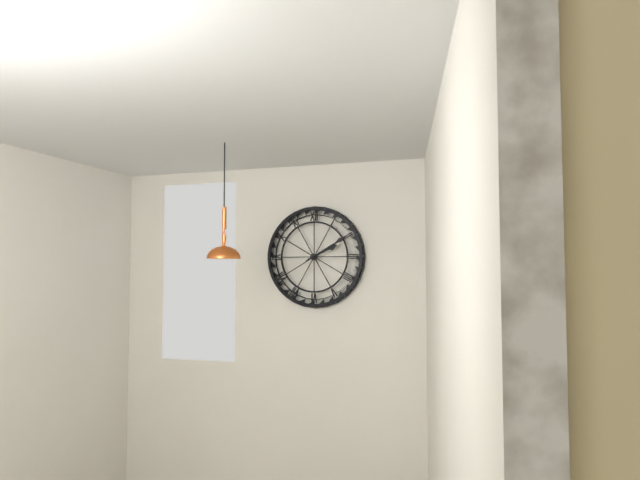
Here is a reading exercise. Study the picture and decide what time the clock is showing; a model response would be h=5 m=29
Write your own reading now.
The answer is h=2 m=10
